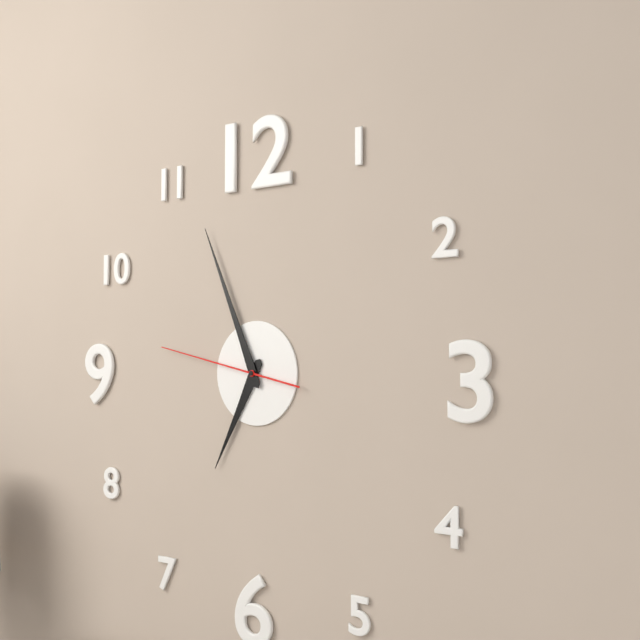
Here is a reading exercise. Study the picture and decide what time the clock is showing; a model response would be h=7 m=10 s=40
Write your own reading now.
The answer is h=6 m=56 s=47
